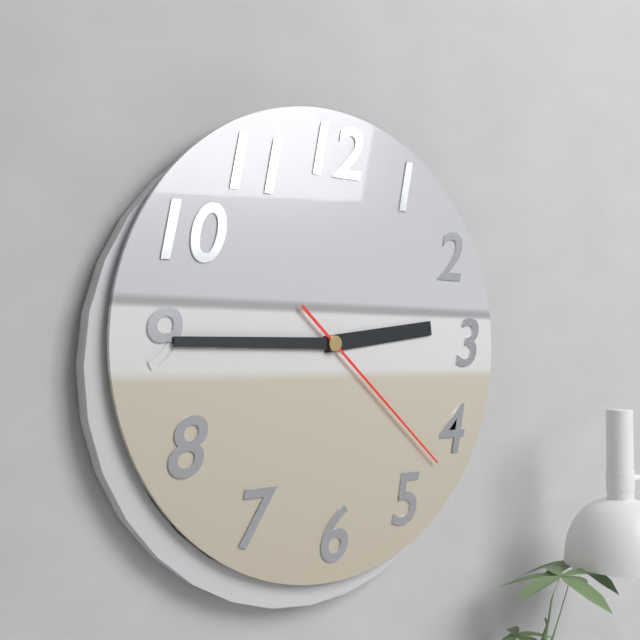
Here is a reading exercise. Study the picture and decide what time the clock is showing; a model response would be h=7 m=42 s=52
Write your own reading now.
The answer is h=2 m=45 s=22
